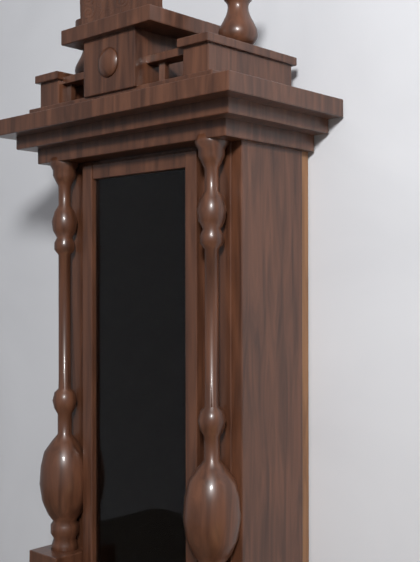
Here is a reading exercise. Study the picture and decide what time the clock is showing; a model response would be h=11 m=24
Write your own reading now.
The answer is h=2 m=14
